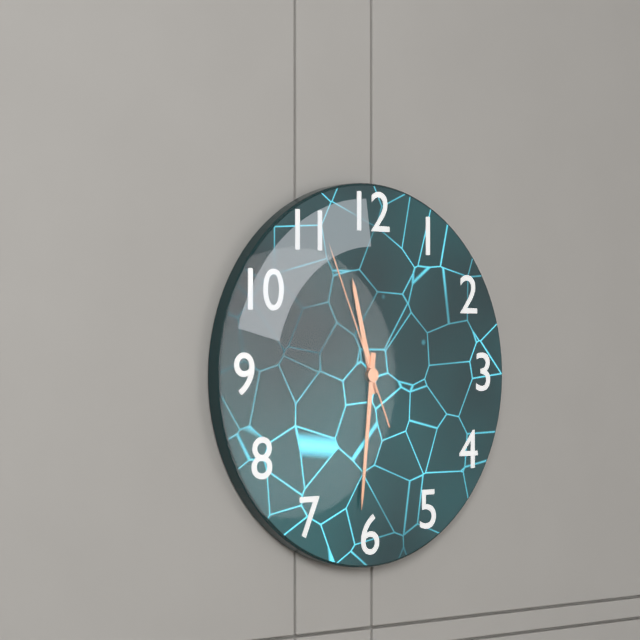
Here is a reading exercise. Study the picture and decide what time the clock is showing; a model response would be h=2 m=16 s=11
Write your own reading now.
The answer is h=11 m=31 s=56
